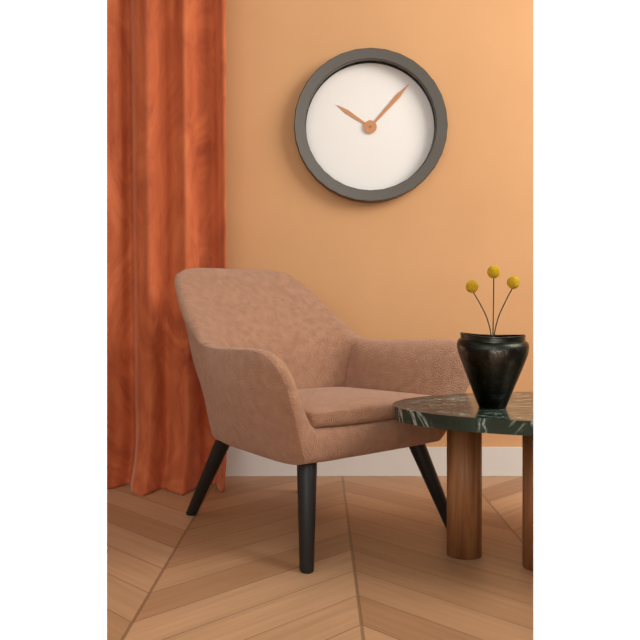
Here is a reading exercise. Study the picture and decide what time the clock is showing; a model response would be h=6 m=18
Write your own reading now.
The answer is h=10 m=7
